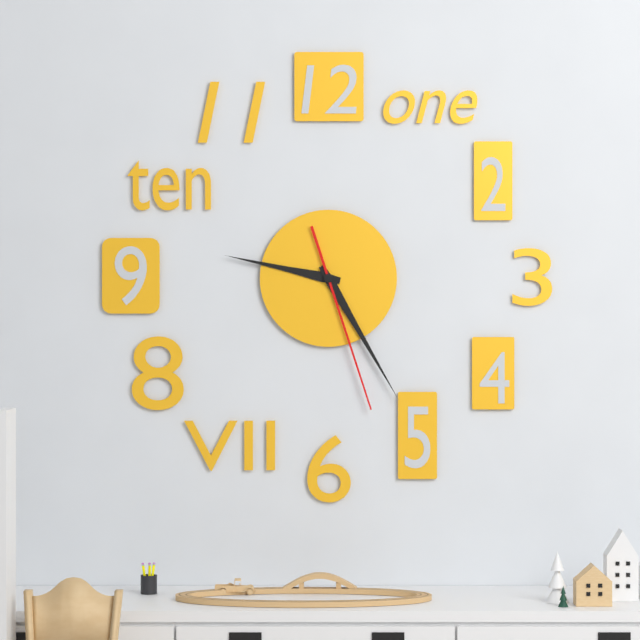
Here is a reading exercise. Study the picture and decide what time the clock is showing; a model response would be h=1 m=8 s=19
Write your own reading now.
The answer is h=9 m=25 s=27
